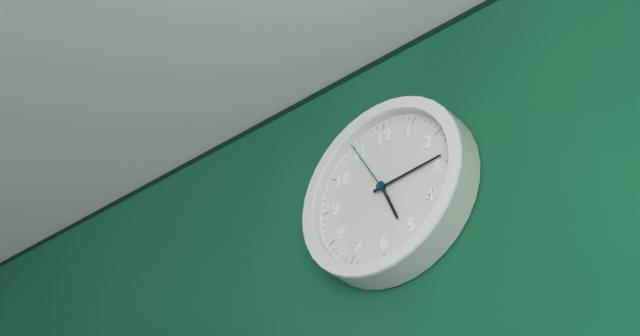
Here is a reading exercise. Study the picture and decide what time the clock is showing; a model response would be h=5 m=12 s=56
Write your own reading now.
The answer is h=5 m=14 s=55
